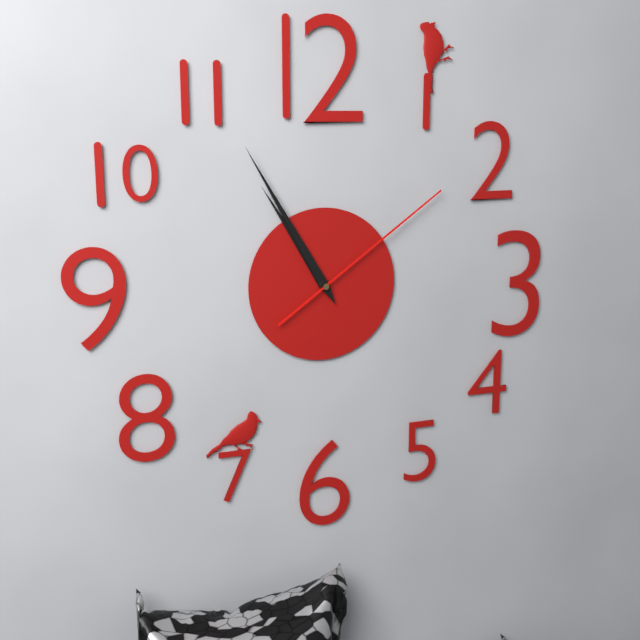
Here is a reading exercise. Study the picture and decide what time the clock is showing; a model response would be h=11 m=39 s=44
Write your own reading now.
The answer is h=10 m=55 s=9
